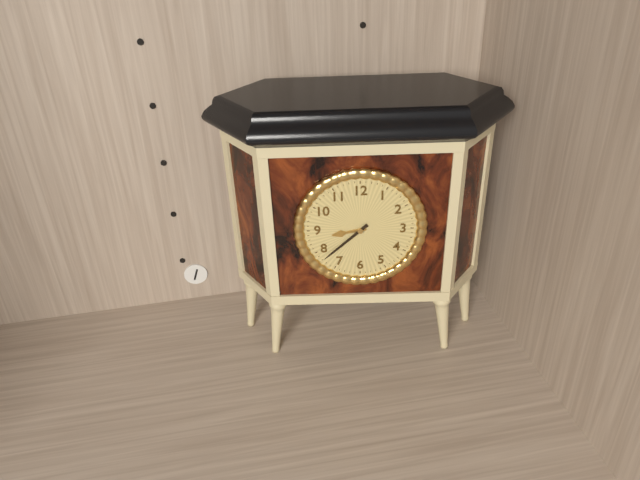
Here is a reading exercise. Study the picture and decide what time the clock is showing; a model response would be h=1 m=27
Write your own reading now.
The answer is h=8 m=38
